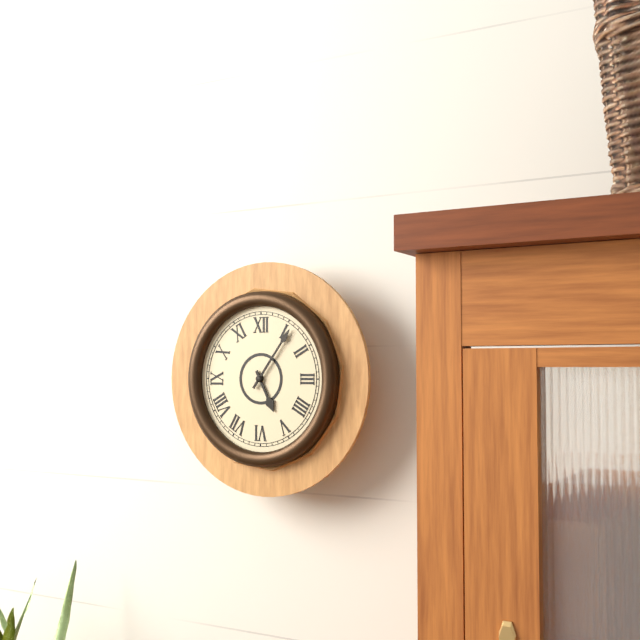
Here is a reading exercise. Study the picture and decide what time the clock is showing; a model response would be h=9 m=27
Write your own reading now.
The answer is h=5 m=6
